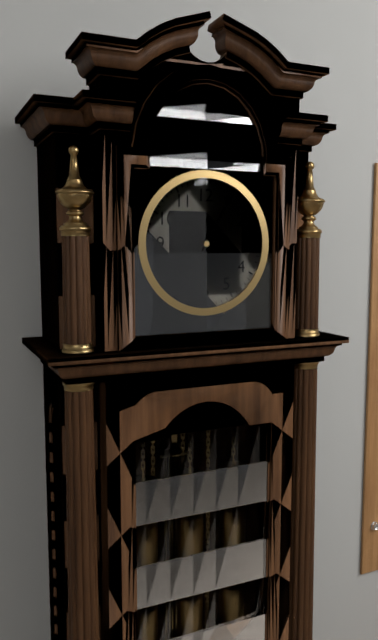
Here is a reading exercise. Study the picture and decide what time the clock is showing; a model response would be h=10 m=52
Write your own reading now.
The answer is h=10 m=5
